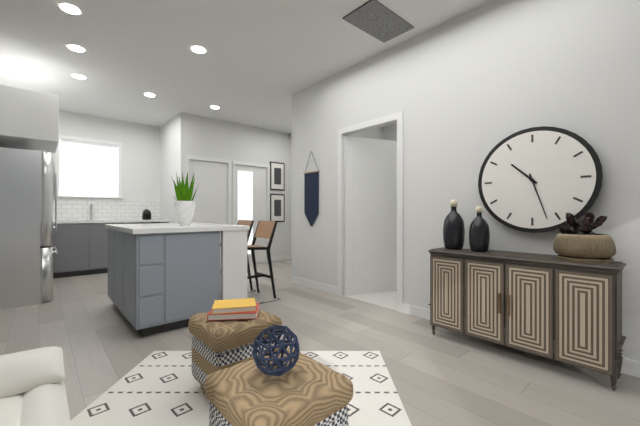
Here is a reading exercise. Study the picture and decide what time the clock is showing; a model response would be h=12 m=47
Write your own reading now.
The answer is h=10 m=27
